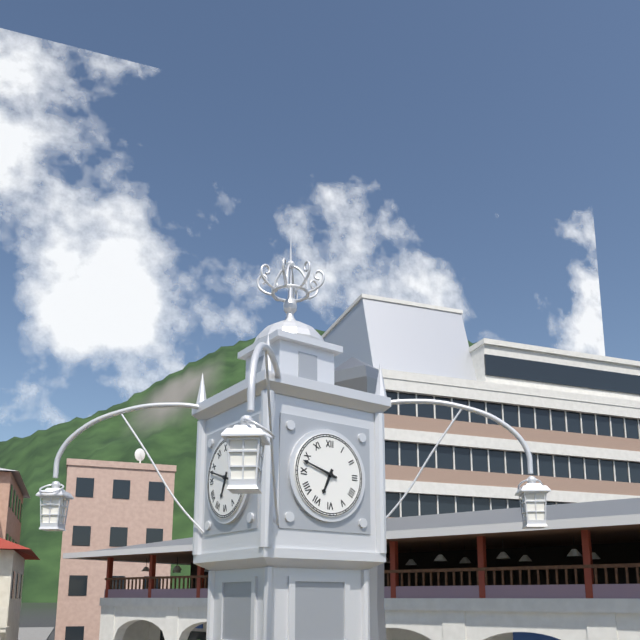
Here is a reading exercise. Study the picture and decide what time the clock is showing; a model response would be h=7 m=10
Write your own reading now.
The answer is h=6 m=48
